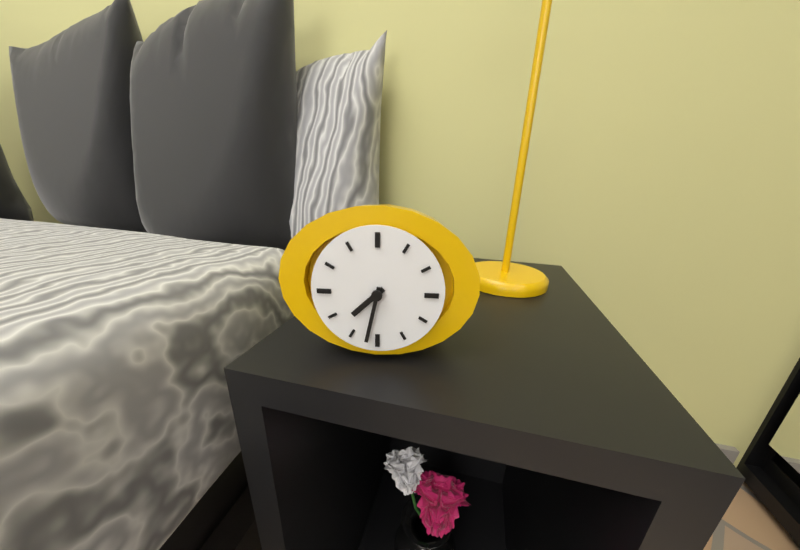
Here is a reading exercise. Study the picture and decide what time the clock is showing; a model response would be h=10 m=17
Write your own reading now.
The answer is h=7 m=32
